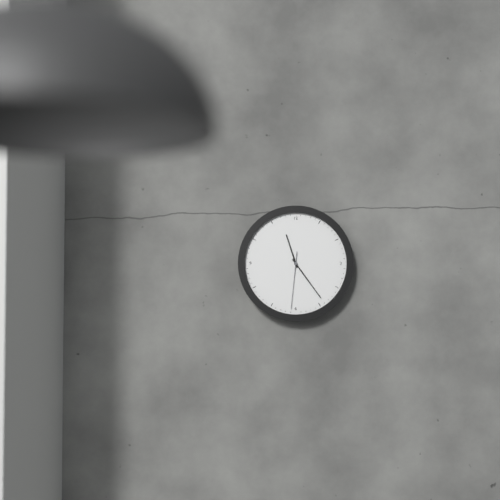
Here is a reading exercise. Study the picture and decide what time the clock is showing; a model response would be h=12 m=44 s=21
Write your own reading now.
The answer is h=11 m=24 s=31
